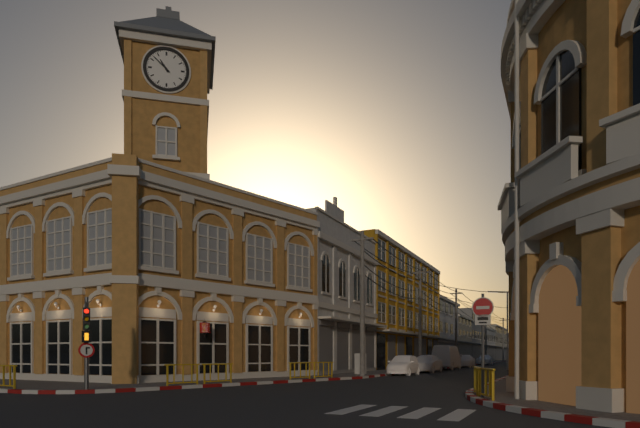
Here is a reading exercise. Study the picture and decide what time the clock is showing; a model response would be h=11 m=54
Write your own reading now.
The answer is h=10 m=52
